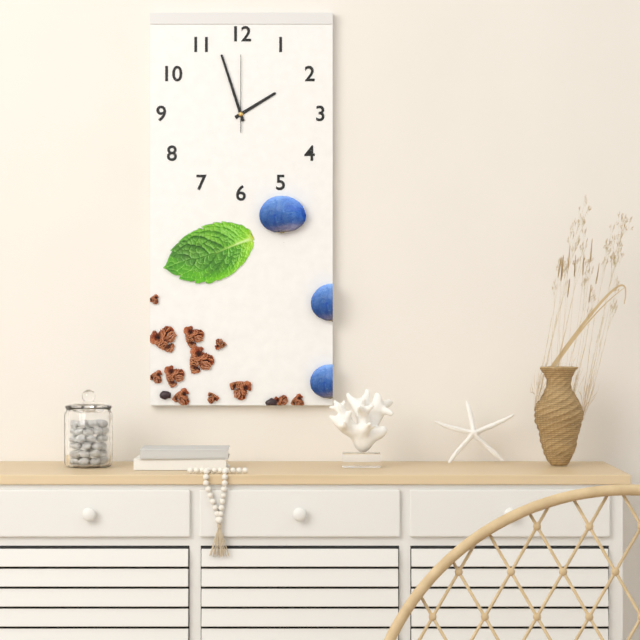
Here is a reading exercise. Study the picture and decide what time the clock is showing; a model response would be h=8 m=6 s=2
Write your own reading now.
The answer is h=1 m=57 s=0
